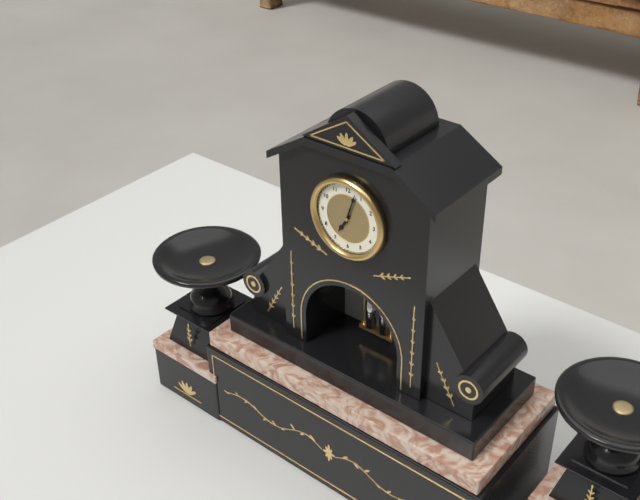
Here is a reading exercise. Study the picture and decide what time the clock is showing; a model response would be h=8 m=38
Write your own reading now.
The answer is h=7 m=3
